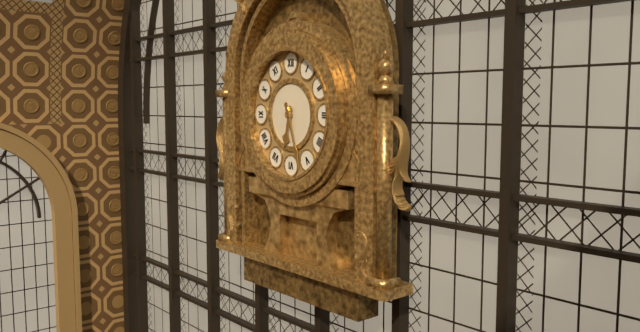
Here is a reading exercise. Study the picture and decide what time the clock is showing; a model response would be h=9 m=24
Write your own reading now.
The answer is h=6 m=27
